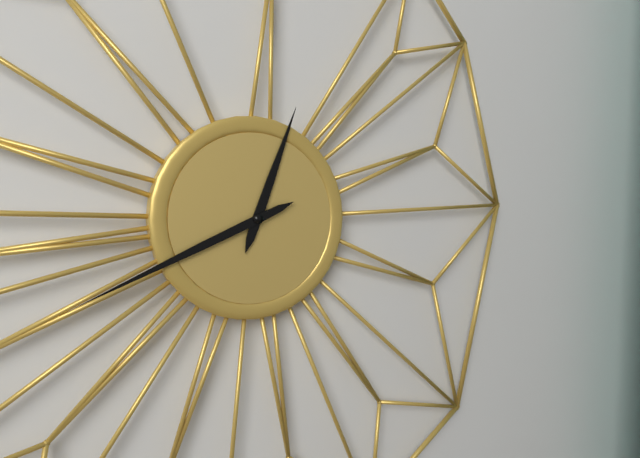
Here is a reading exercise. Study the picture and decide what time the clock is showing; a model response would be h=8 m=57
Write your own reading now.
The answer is h=12 m=41
